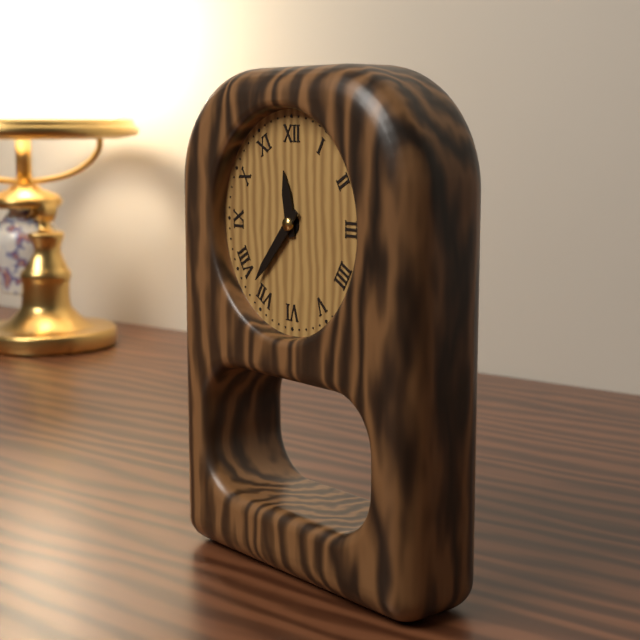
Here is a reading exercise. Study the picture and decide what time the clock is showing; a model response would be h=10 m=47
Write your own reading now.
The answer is h=11 m=37
